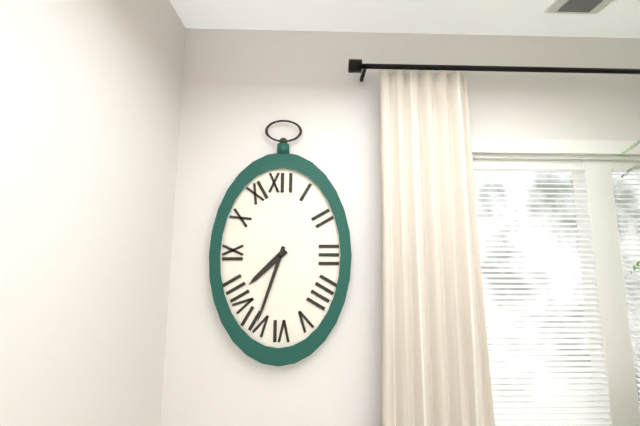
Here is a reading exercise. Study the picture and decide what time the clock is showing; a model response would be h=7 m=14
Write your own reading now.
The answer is h=7 m=33
